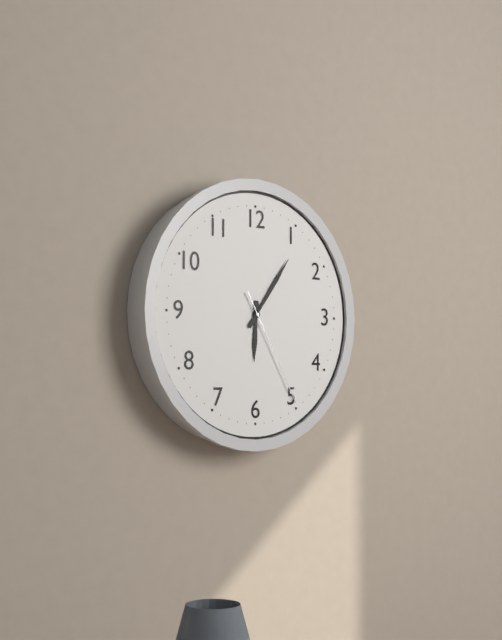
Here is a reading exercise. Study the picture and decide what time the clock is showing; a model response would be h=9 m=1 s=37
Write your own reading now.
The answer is h=6 m=6 s=25
